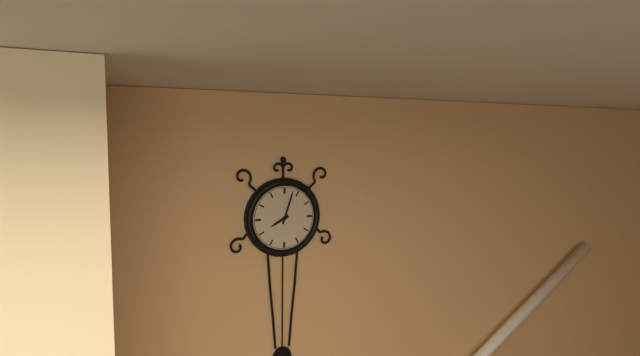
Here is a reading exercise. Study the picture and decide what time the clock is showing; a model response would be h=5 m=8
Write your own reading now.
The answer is h=8 m=3
